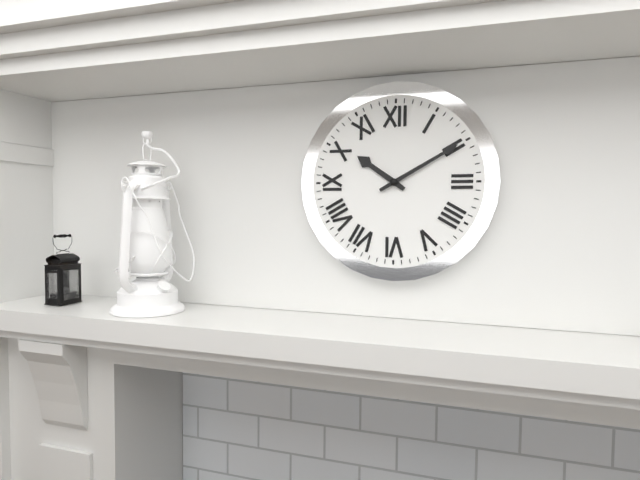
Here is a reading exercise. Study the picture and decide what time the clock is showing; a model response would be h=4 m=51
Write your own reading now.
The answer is h=10 m=10
